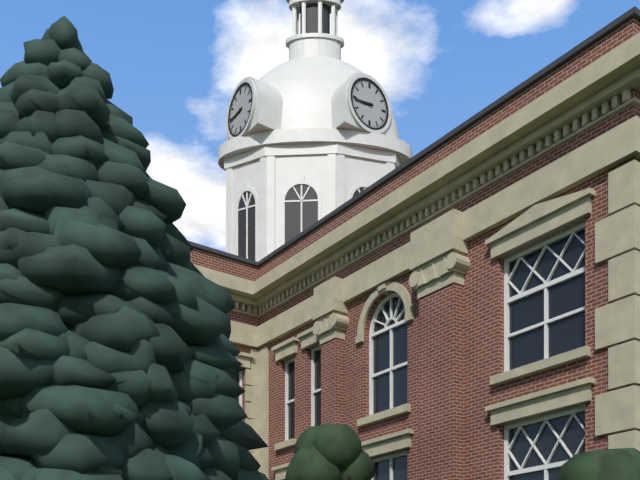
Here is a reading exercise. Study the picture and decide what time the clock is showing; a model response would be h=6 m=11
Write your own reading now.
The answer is h=8 m=44
